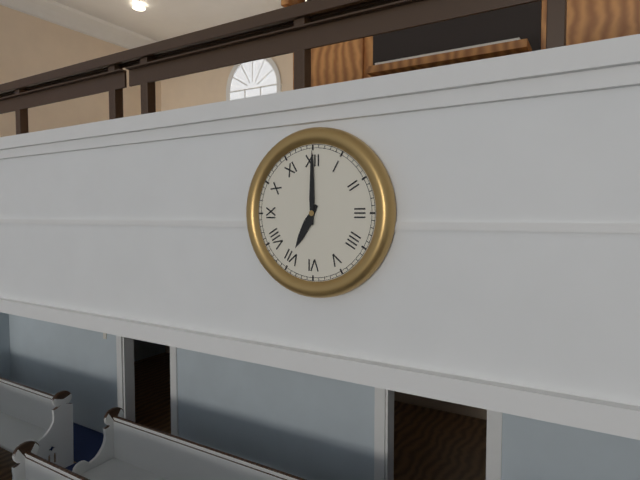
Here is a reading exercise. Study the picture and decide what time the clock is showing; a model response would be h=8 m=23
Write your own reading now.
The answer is h=7 m=0
